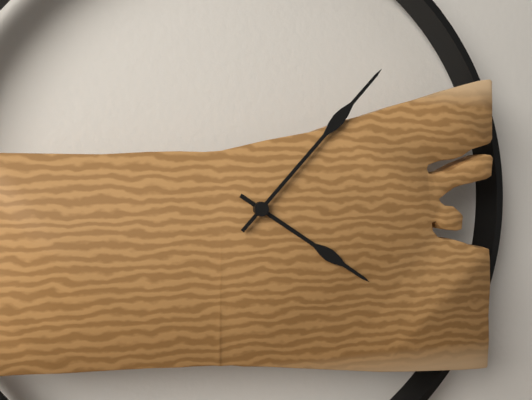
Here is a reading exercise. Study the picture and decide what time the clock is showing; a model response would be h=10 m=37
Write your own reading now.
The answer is h=4 m=7
